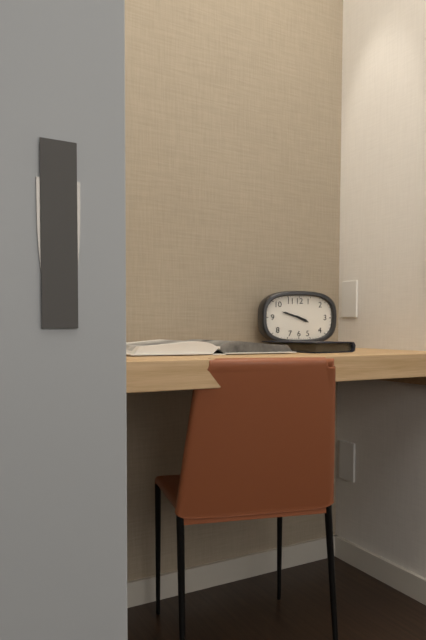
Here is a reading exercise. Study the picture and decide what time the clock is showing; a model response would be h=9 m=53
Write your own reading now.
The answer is h=3 m=48
